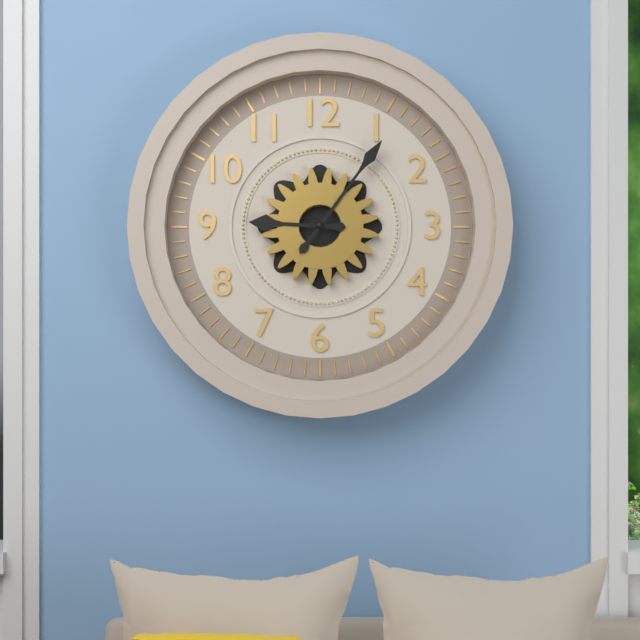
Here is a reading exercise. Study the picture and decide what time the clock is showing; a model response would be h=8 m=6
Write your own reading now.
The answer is h=9 m=6
